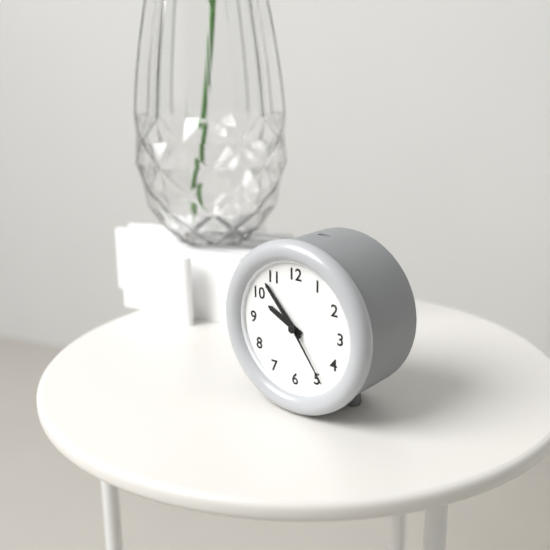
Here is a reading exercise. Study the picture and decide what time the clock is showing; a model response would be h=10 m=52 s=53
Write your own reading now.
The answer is h=9 m=53 s=24
